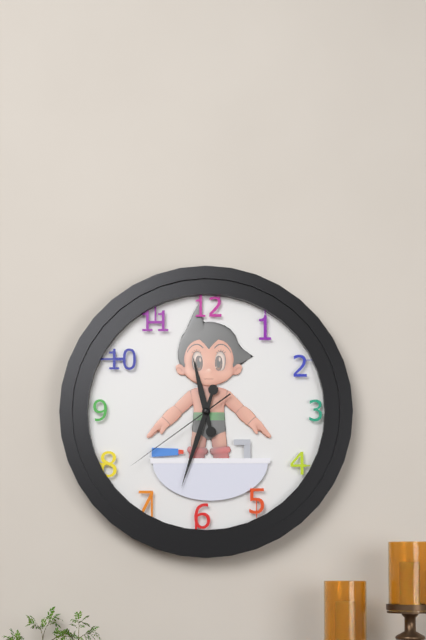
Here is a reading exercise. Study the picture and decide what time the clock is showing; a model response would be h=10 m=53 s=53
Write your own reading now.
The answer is h=11 m=33 s=39
